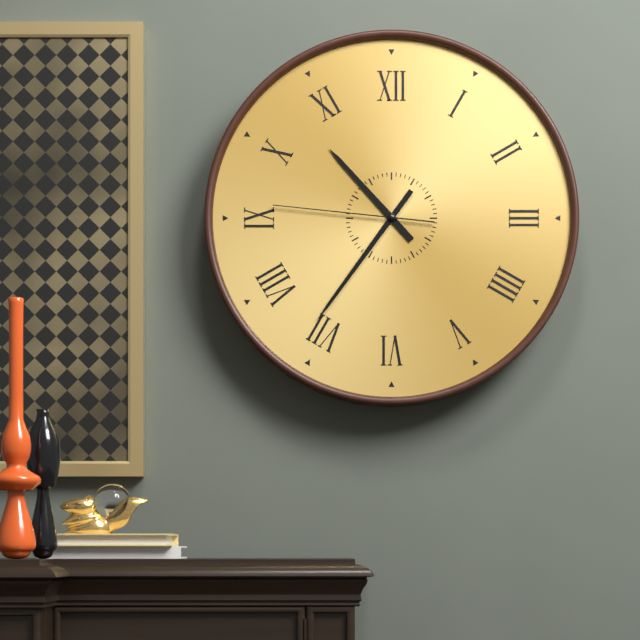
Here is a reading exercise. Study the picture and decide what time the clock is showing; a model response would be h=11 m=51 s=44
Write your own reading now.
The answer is h=10 m=36 s=46
